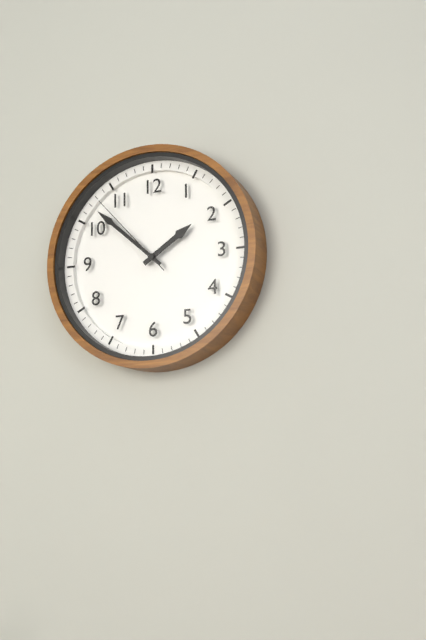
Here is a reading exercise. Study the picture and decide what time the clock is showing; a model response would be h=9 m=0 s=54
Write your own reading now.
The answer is h=1 m=52 s=53
